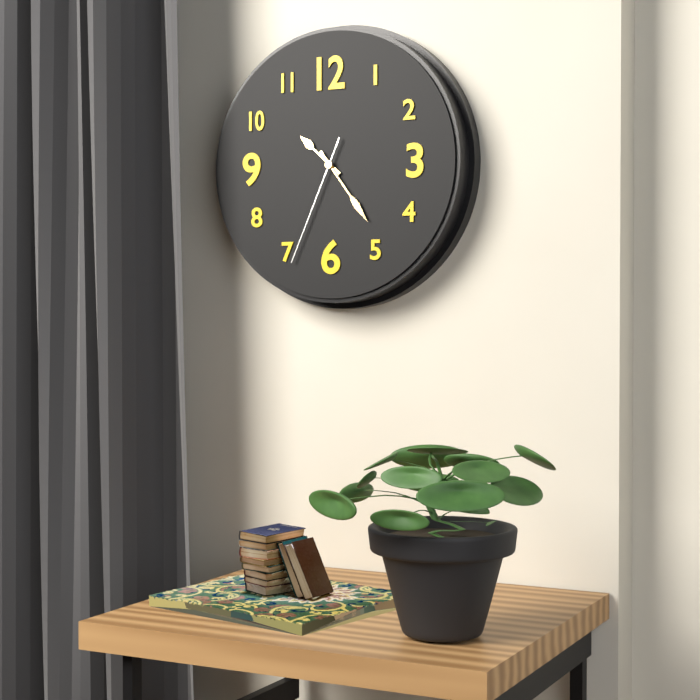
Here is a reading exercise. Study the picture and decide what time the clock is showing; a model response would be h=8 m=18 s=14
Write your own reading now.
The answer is h=10 m=24 s=34
